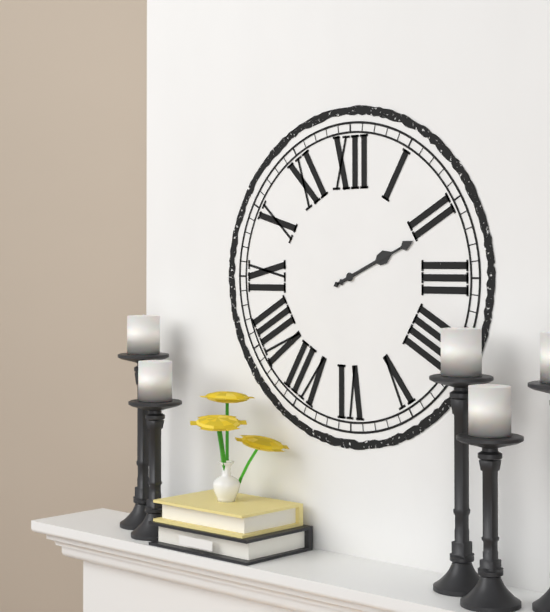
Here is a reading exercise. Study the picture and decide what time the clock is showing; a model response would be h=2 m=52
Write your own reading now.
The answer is h=2 m=11
